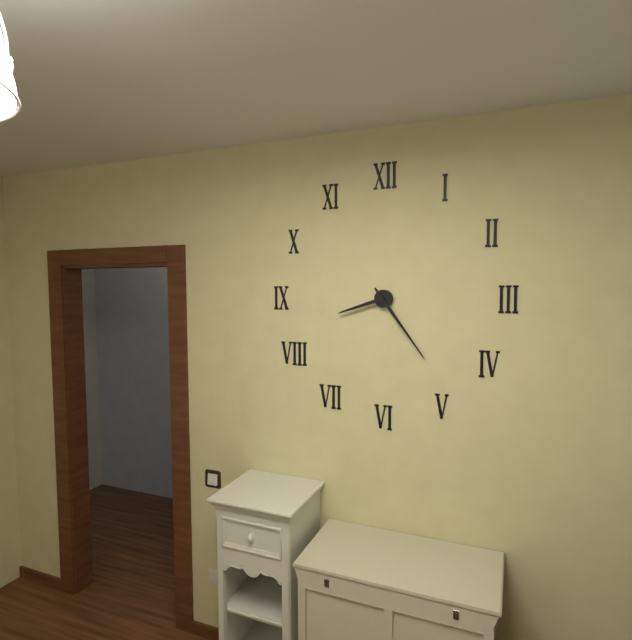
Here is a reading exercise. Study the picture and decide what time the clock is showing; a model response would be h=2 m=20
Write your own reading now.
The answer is h=8 m=24
